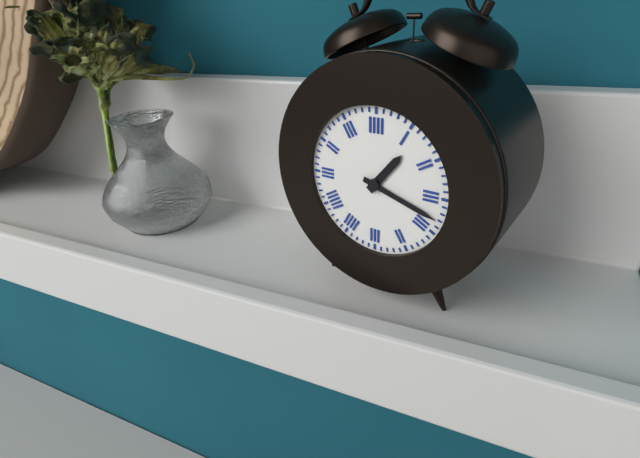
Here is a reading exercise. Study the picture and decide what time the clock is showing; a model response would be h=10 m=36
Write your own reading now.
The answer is h=1 m=18
